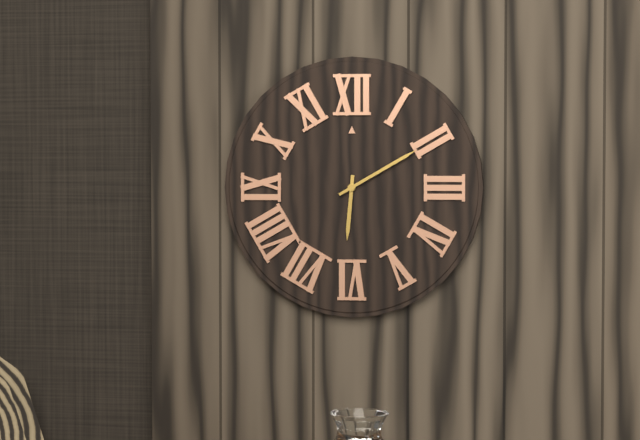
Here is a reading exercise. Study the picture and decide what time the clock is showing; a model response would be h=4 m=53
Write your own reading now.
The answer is h=6 m=10
